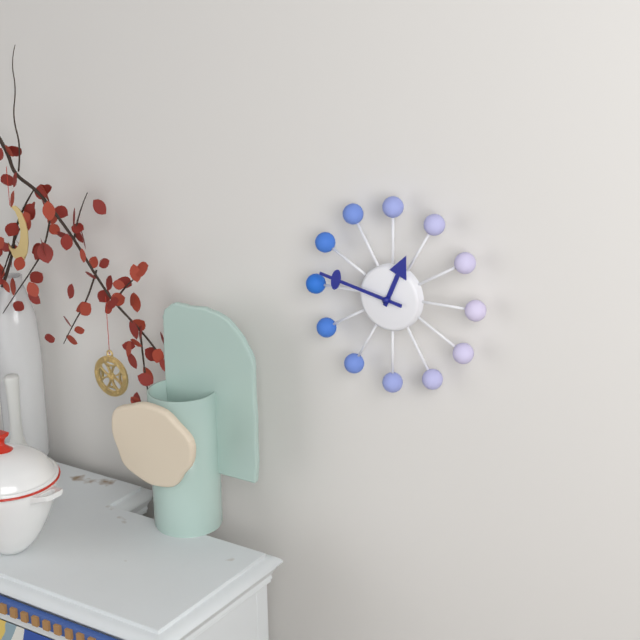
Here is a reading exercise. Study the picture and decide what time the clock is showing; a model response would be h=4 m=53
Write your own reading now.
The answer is h=12 m=47
